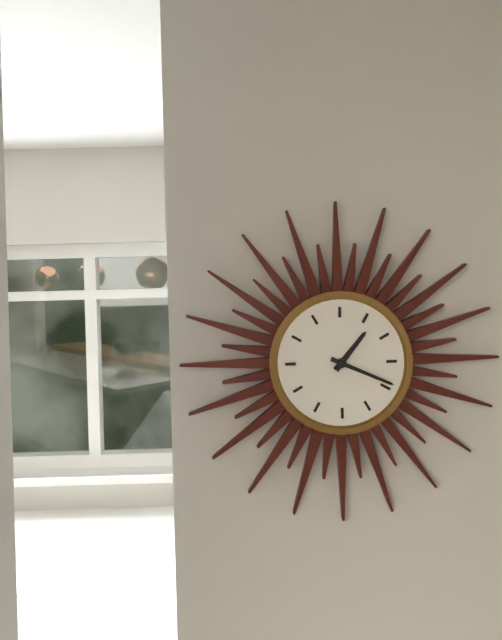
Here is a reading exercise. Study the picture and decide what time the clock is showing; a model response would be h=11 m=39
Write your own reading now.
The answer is h=1 m=19
